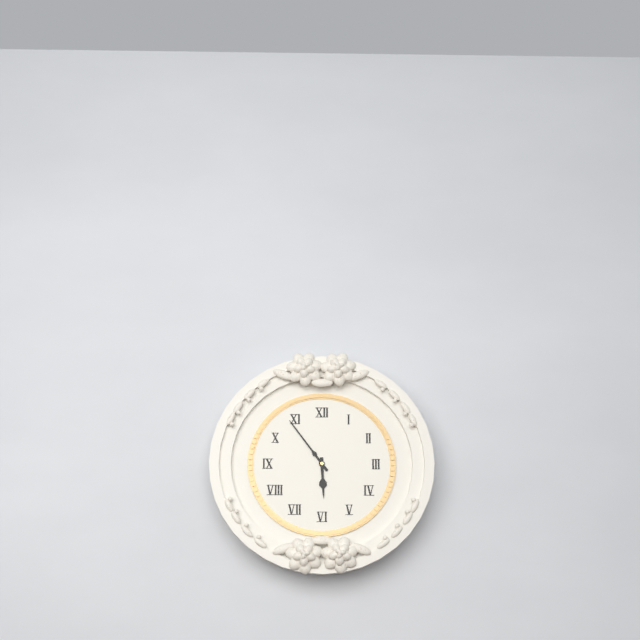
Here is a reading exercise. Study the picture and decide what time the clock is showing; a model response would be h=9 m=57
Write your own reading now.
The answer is h=5 m=54
